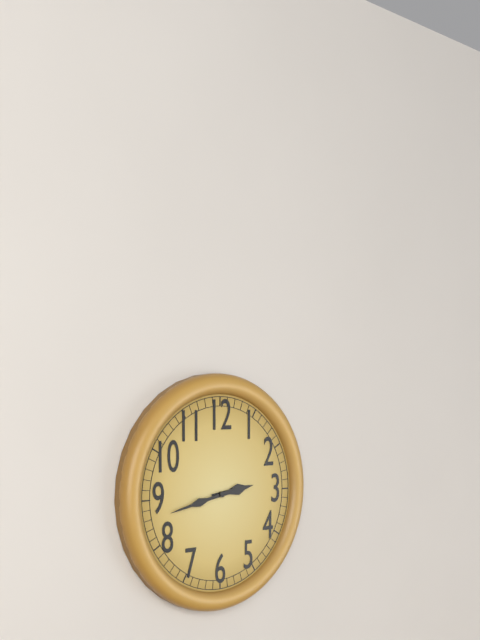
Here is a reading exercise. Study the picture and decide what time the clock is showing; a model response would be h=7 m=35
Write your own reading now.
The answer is h=2 m=43
